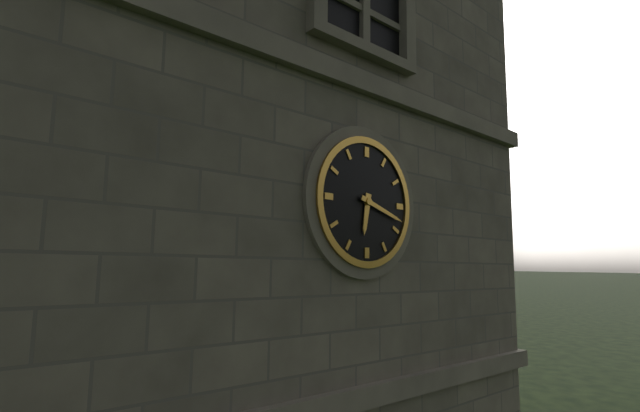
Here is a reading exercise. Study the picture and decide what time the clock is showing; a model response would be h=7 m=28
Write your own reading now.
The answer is h=6 m=18
